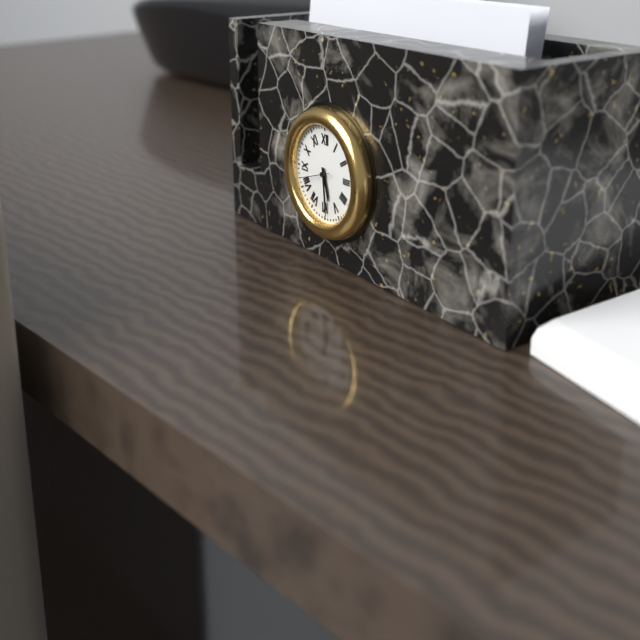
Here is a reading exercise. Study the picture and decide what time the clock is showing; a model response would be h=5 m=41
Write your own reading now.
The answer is h=5 m=29
